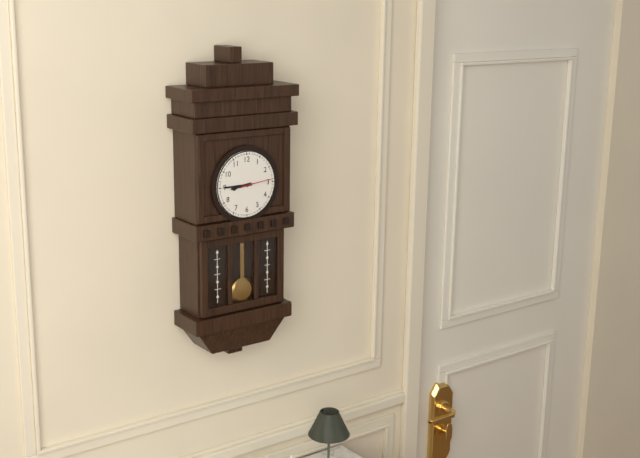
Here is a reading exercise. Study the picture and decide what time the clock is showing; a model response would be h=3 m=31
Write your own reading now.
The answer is h=8 m=45
